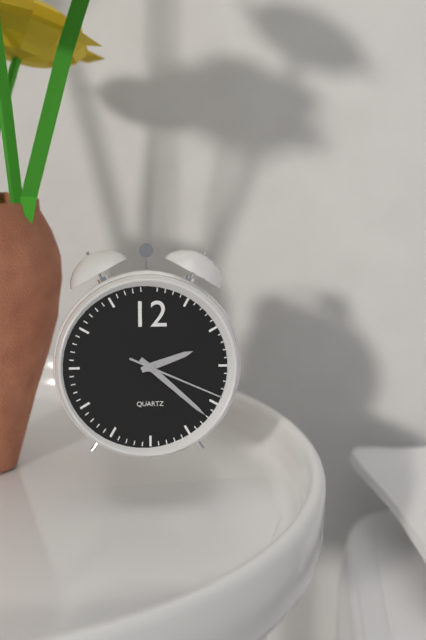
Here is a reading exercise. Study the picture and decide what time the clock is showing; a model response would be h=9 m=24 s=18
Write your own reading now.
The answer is h=2 m=22 s=19
